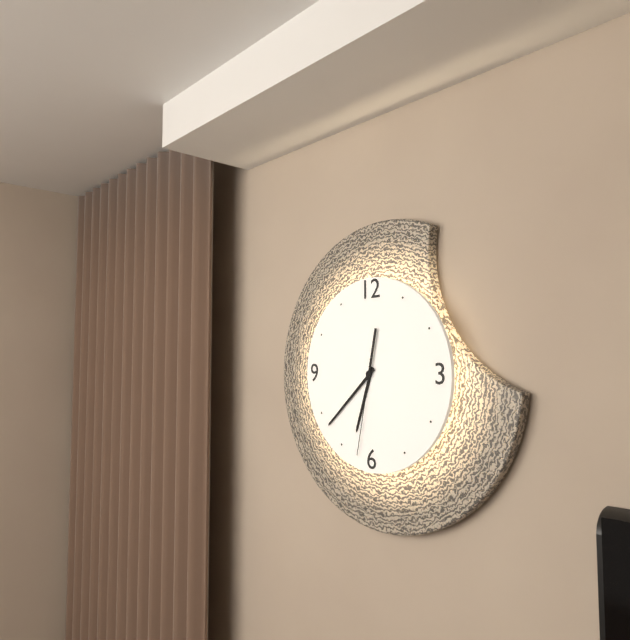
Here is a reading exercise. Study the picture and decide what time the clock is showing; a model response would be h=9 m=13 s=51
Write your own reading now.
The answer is h=6 m=38 s=32
